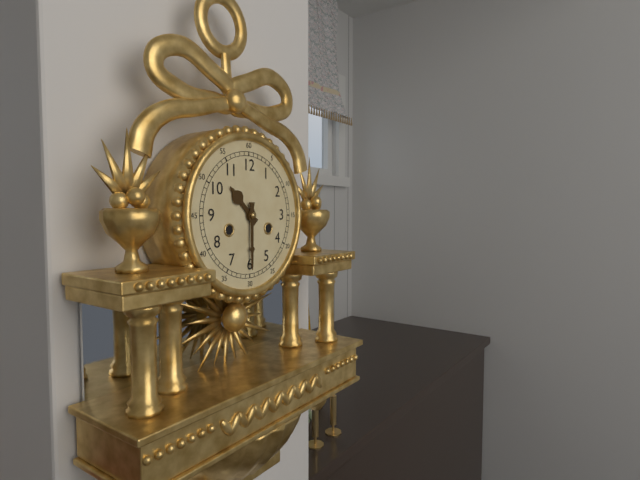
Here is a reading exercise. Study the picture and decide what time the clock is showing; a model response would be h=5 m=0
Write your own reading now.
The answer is h=10 m=30
